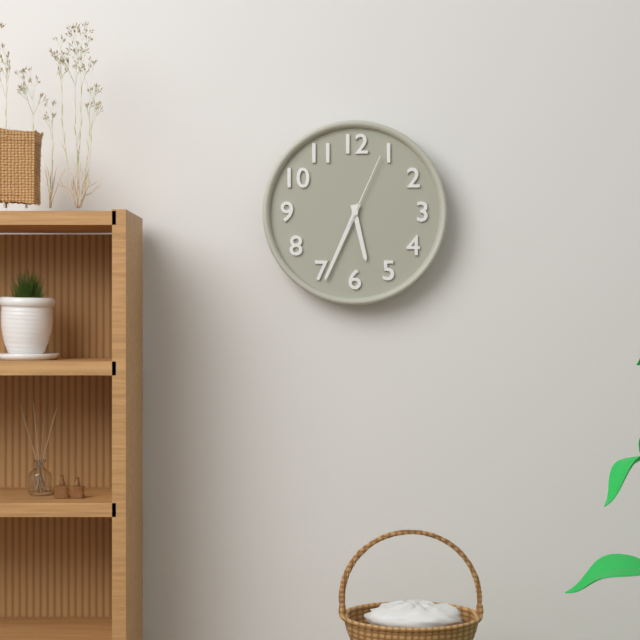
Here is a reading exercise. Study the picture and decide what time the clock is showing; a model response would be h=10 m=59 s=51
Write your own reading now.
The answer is h=5 m=34 s=4
